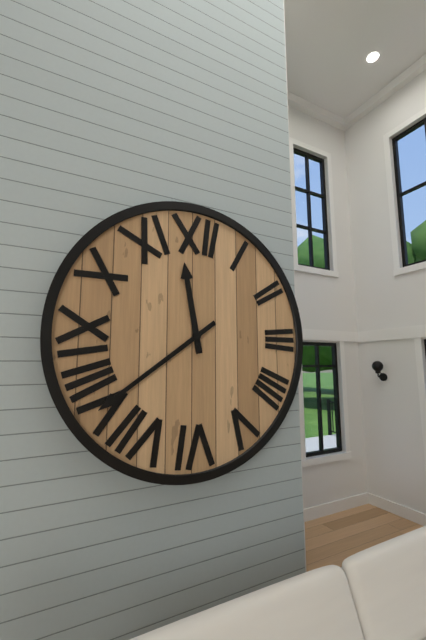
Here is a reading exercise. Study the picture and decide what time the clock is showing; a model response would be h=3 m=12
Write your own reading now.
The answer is h=11 m=39
